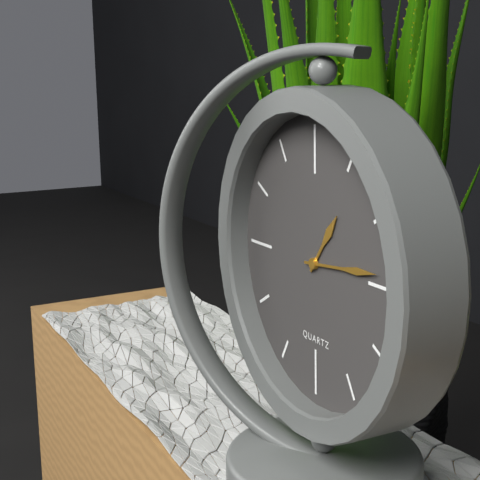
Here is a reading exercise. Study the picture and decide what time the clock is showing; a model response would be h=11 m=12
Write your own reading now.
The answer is h=1 m=14
